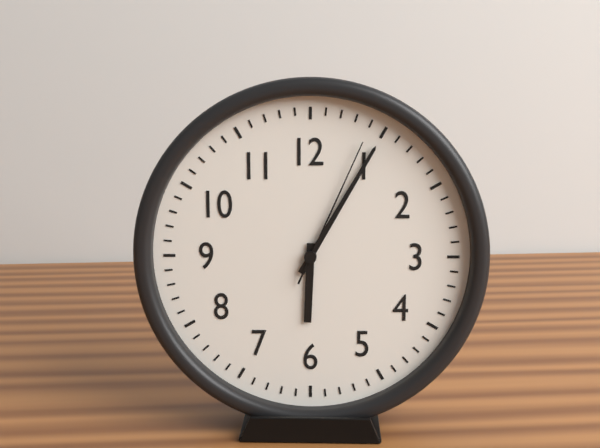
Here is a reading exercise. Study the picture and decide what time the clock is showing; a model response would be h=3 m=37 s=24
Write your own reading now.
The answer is h=6 m=5 s=4
